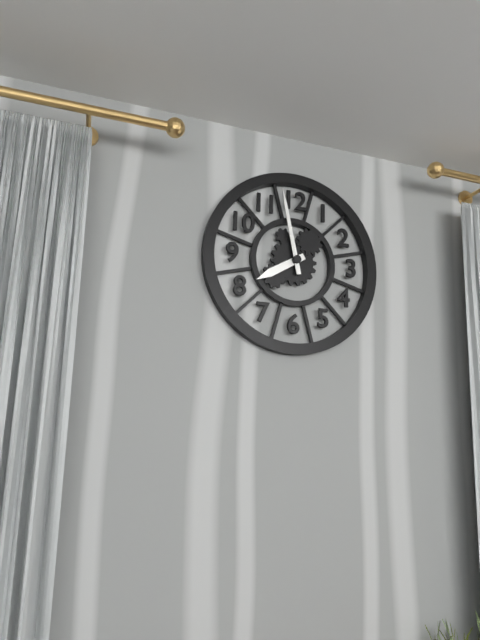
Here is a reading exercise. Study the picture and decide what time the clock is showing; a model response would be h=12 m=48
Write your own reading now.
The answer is h=7 m=58
